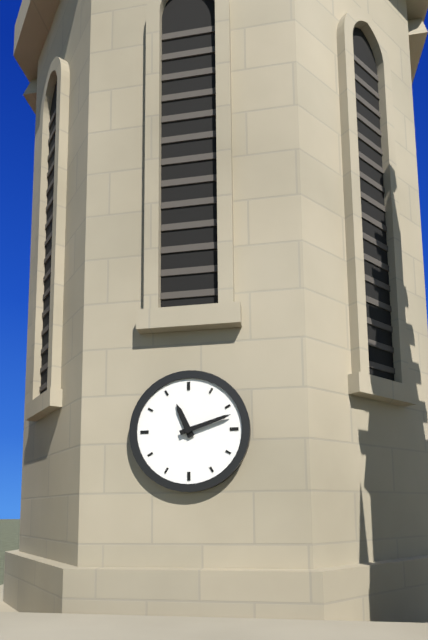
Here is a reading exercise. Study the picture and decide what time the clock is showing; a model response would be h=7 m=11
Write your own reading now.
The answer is h=11 m=12
